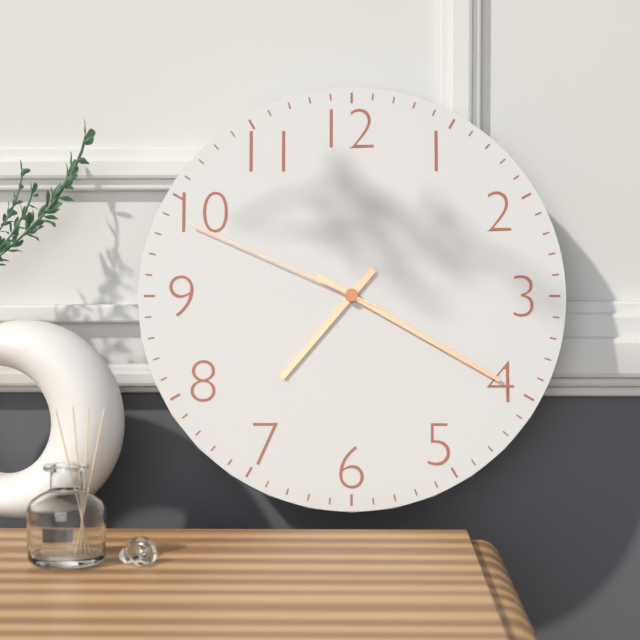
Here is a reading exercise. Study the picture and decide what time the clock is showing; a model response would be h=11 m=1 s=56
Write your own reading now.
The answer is h=7 m=20 s=49
